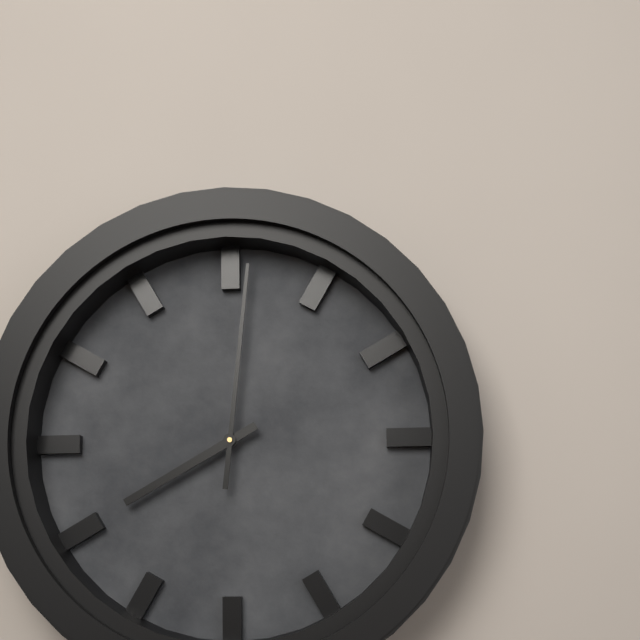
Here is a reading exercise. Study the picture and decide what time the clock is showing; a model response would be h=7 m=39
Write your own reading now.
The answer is h=8 m=1
